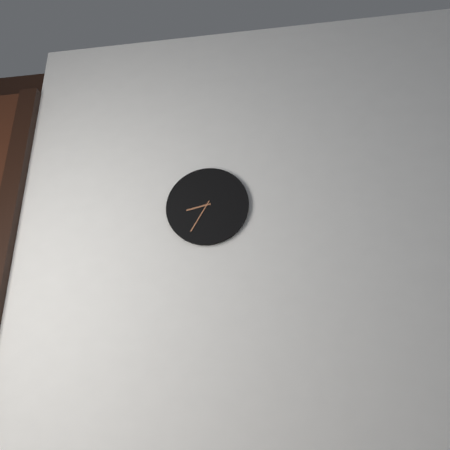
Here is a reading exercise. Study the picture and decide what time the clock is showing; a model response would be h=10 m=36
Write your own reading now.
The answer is h=8 m=35
